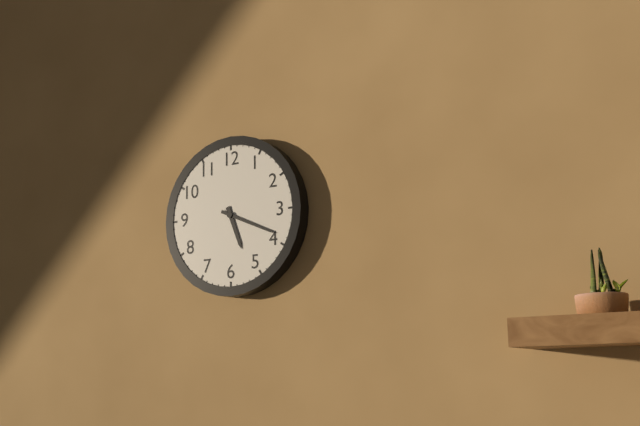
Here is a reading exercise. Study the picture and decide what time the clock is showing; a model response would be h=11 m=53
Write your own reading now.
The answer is h=5 m=19
